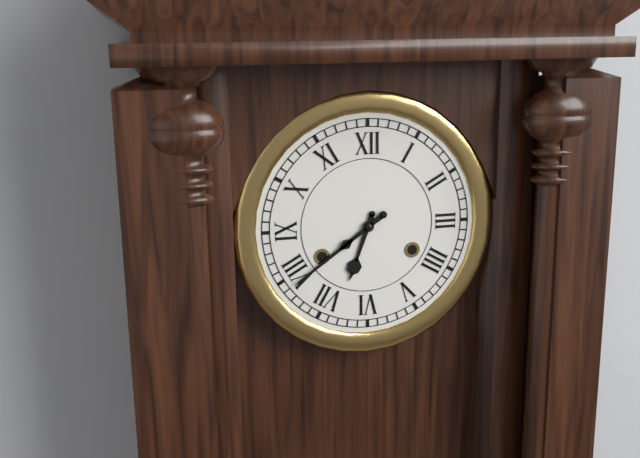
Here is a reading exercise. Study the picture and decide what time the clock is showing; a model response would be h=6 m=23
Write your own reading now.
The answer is h=6 m=39
